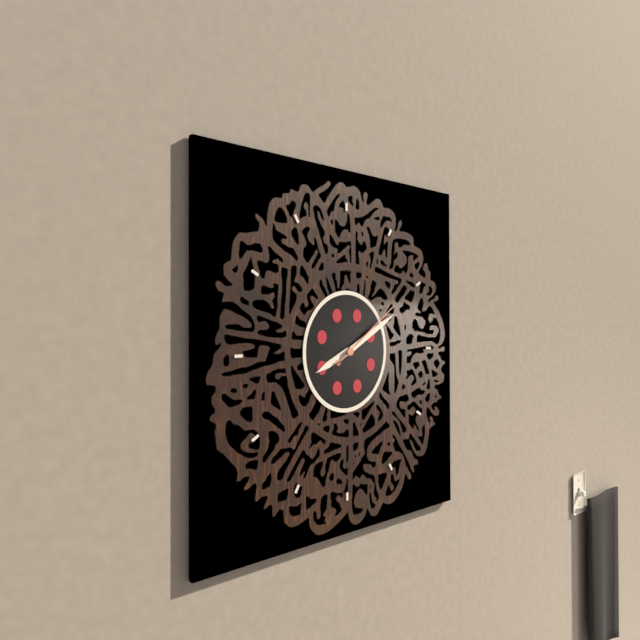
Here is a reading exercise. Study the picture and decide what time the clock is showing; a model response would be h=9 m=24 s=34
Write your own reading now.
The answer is h=8 m=10 s=9
